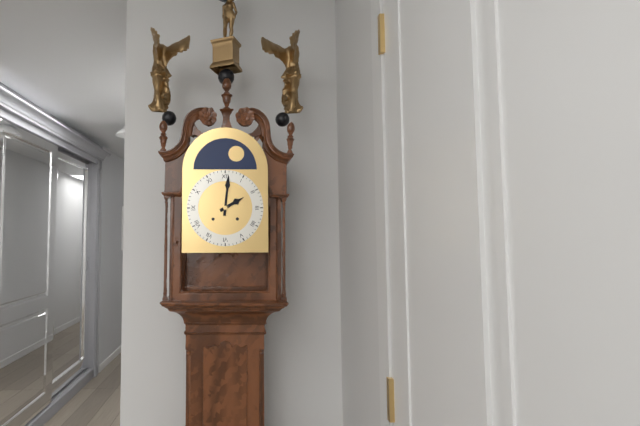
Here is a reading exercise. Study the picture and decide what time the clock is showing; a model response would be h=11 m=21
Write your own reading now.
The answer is h=2 m=1
